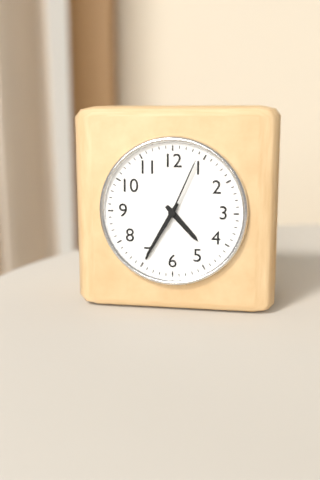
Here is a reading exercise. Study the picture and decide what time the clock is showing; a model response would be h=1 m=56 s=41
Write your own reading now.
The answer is h=4 m=35 s=4
